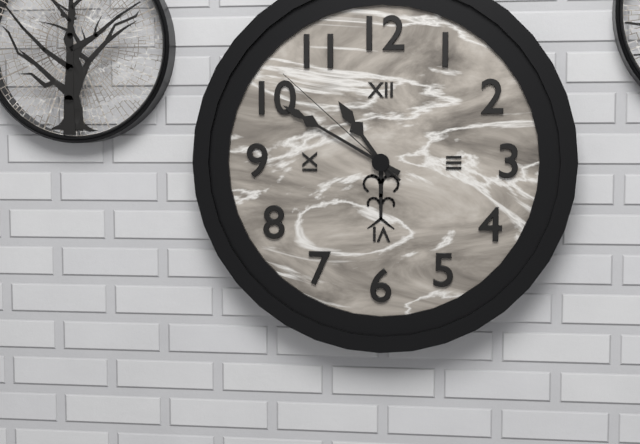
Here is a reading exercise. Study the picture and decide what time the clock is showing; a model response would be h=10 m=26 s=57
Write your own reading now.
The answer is h=10 m=50 s=52
